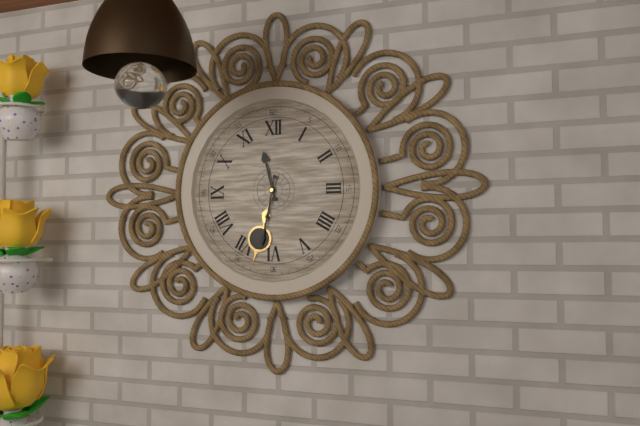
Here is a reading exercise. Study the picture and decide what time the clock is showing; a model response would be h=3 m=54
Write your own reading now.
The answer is h=11 m=32
